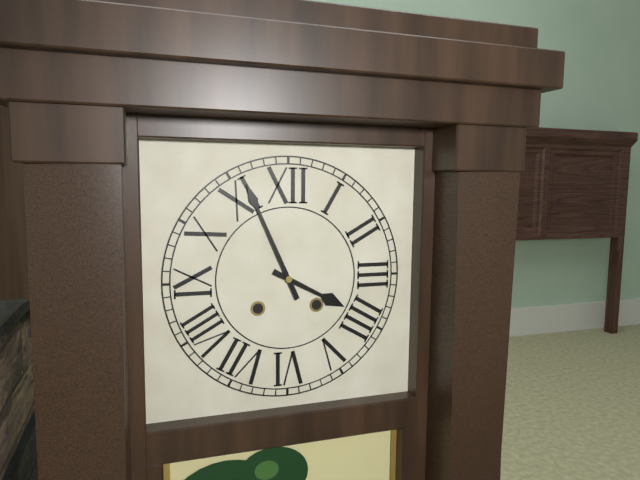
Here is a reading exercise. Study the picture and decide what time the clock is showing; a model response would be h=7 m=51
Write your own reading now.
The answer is h=3 m=56
